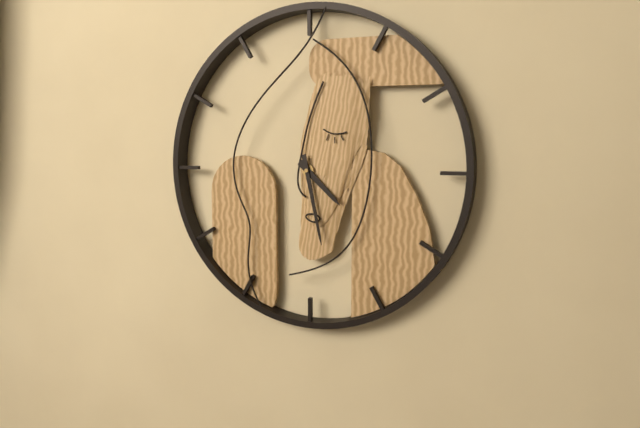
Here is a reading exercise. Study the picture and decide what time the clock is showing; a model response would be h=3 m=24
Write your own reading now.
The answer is h=4 m=28
